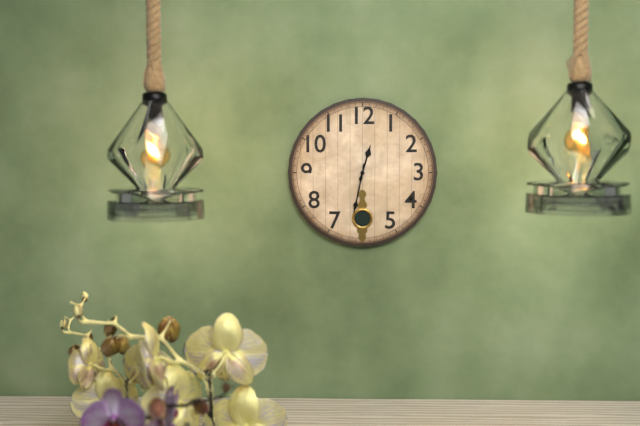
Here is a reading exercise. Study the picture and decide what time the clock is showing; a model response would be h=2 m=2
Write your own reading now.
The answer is h=12 m=32
